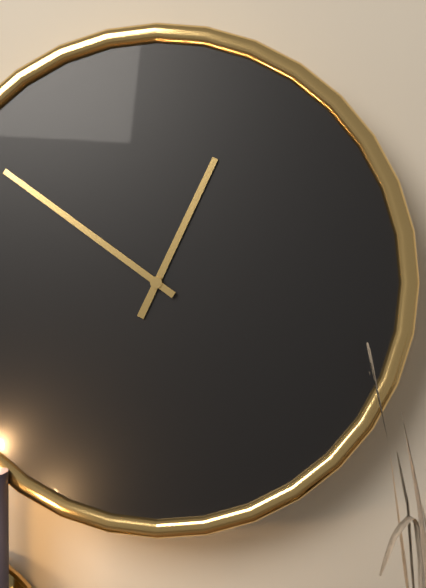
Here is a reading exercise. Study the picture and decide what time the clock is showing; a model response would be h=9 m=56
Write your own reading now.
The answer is h=12 m=51
